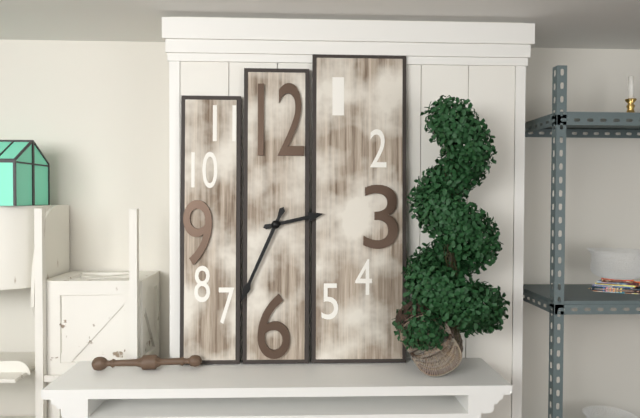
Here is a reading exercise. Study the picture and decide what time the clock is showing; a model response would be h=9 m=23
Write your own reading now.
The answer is h=2 m=34
